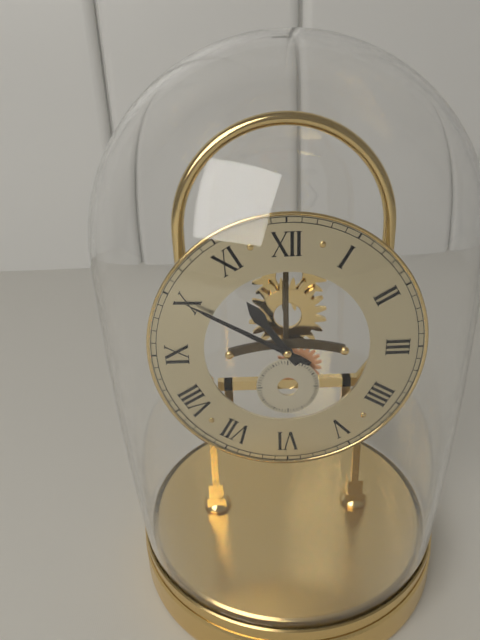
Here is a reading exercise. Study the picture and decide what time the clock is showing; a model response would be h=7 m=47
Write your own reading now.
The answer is h=10 m=50
